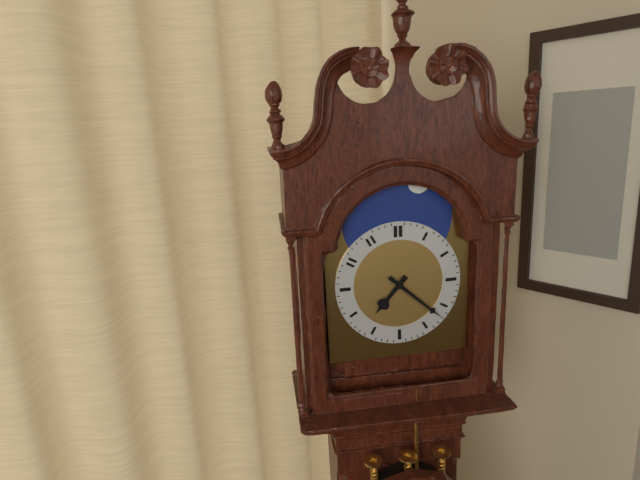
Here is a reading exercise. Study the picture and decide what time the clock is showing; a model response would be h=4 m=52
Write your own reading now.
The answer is h=7 m=22
